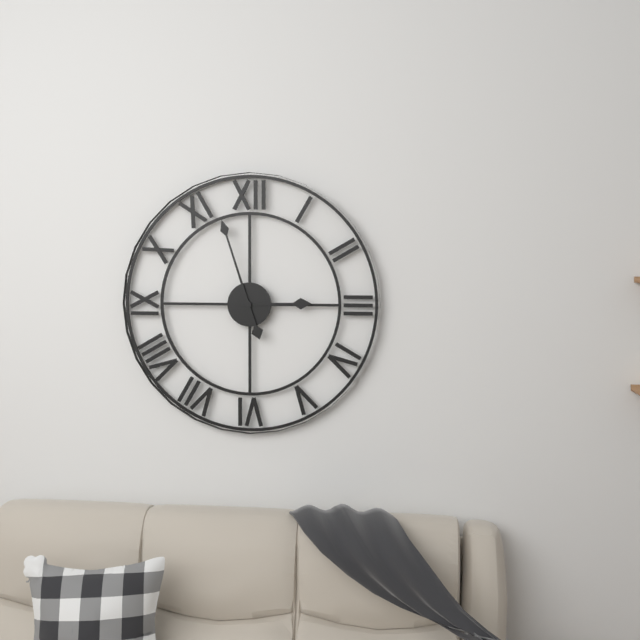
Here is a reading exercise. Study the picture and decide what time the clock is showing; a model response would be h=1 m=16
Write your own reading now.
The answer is h=2 m=57
